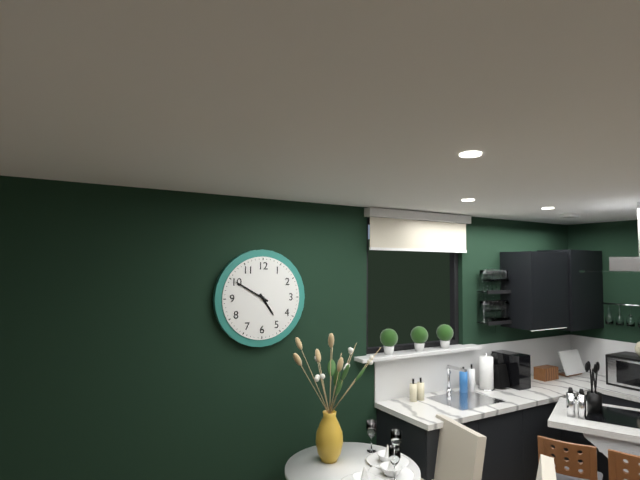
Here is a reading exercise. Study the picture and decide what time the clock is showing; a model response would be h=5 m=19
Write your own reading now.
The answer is h=4 m=50
